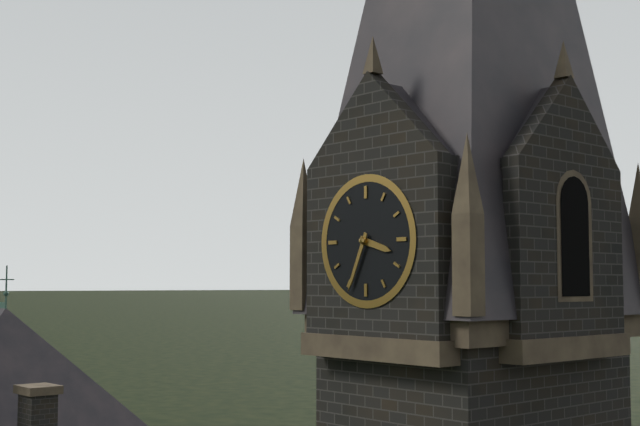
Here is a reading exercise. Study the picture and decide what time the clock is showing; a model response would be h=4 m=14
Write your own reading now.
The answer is h=3 m=34
